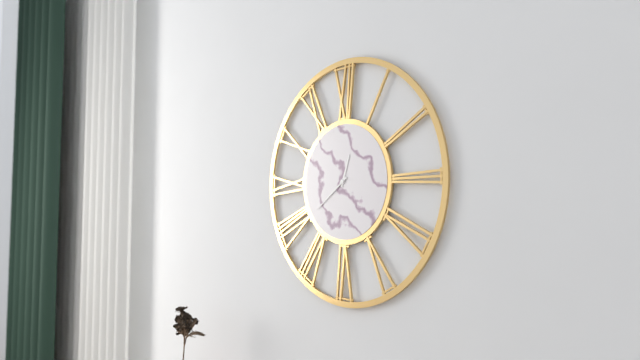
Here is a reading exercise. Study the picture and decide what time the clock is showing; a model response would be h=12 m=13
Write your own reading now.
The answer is h=12 m=39
